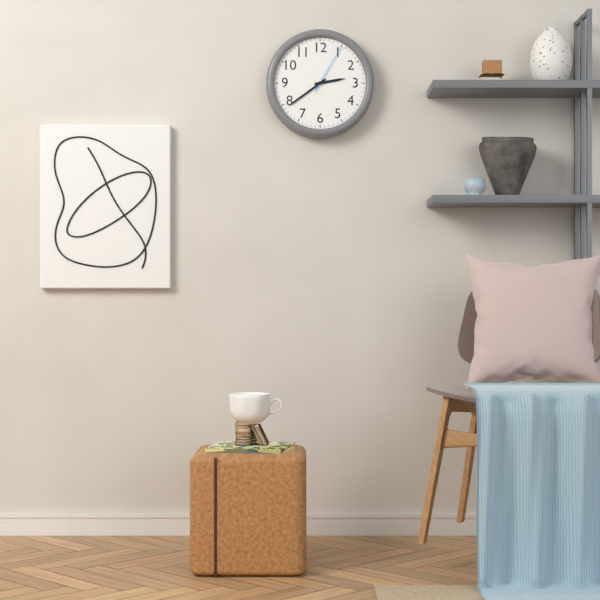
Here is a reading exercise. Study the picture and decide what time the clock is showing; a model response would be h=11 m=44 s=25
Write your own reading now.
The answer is h=2 m=39 s=5
